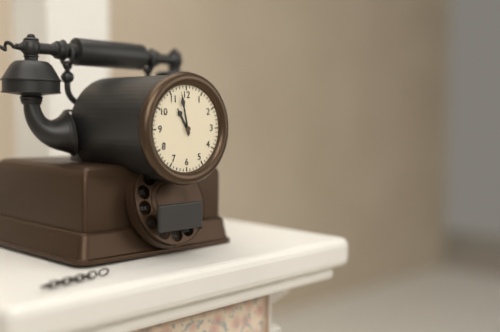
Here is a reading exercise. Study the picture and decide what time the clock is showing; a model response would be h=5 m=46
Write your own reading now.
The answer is h=10 m=58
